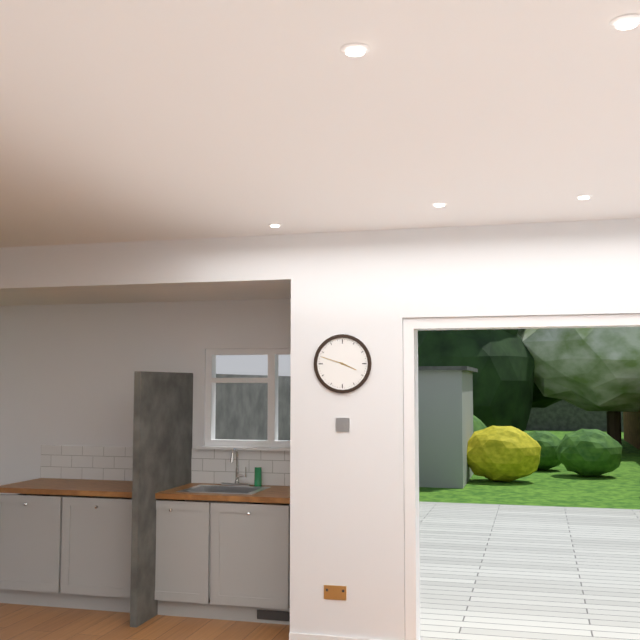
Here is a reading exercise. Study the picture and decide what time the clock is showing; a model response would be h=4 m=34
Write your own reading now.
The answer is h=3 m=48
